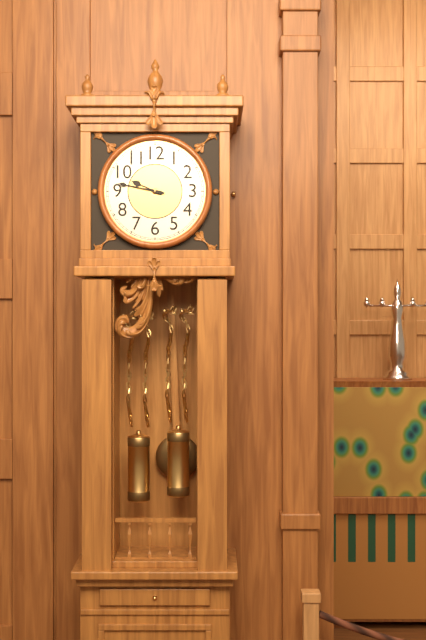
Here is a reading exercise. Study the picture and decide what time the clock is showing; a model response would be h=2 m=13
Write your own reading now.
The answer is h=9 m=47
